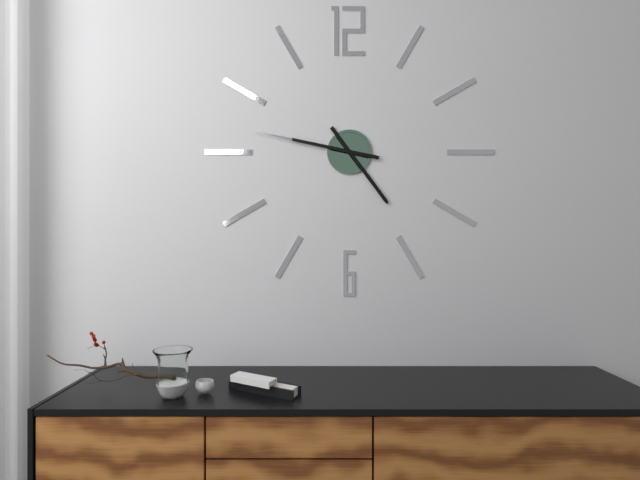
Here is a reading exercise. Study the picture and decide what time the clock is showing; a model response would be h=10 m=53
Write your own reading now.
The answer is h=4 m=47
